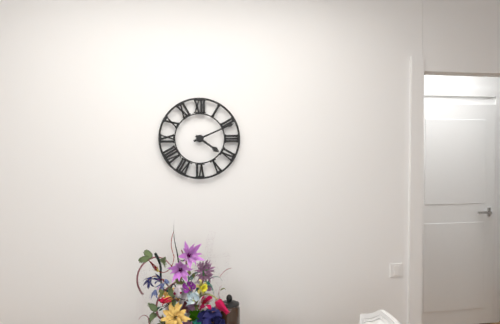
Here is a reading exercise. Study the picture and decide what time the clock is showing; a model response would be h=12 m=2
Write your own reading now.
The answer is h=4 m=11
